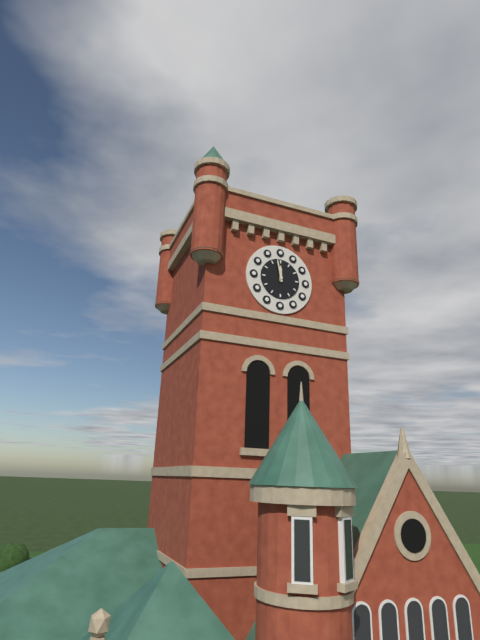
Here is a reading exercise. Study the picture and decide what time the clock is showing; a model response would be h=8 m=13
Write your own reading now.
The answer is h=11 m=58
